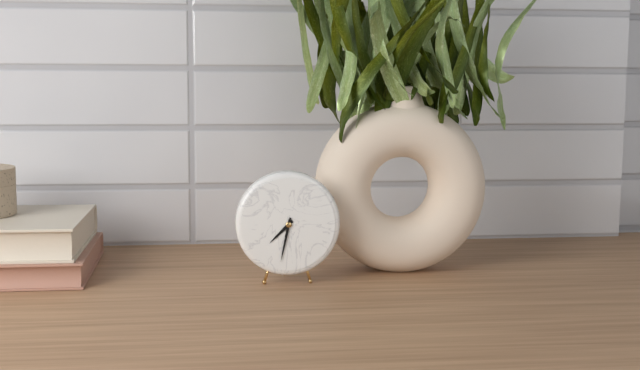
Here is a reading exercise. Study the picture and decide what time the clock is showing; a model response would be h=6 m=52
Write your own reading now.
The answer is h=7 m=32
